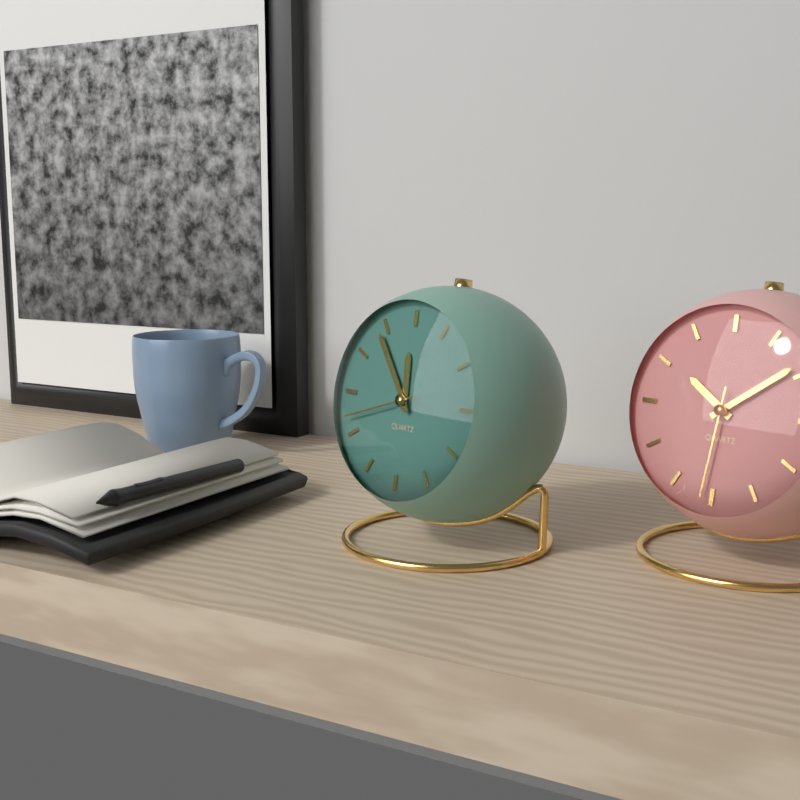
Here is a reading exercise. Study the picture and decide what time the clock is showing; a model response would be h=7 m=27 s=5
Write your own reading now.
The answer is h=11 m=54 s=42
